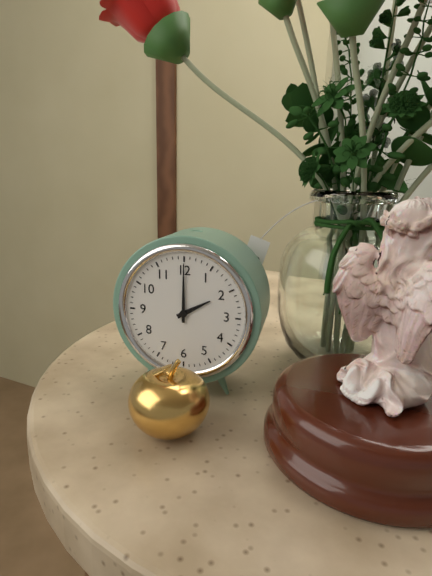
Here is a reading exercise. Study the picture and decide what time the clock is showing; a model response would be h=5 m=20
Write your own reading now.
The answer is h=2 m=0
